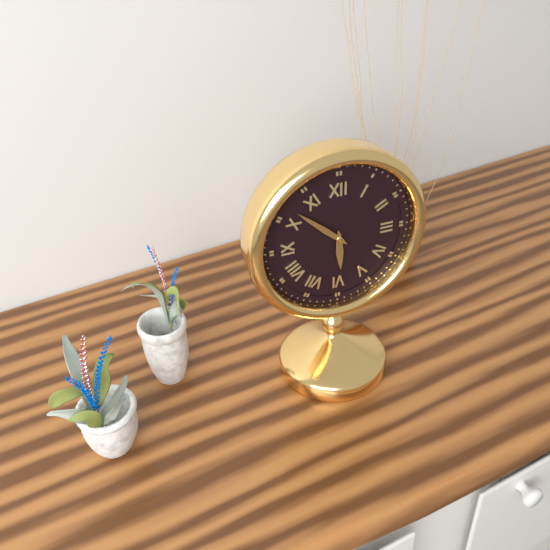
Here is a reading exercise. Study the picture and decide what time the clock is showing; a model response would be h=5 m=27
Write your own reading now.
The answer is h=5 m=52
